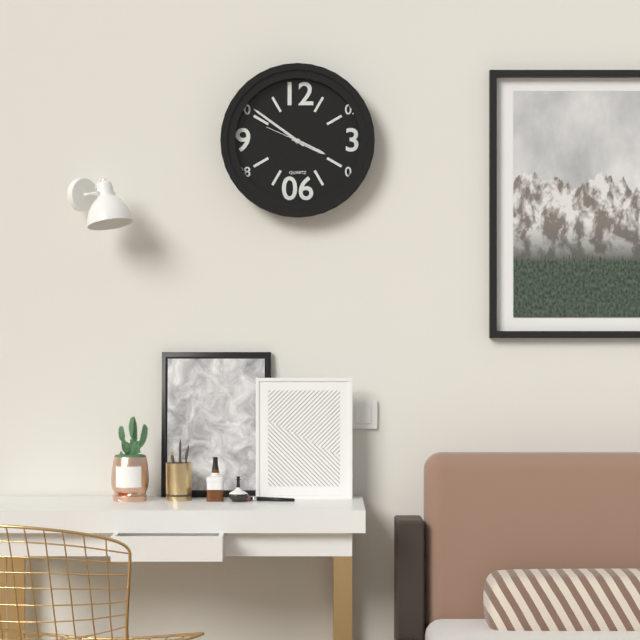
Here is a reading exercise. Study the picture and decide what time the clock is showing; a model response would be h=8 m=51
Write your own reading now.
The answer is h=3 m=51
